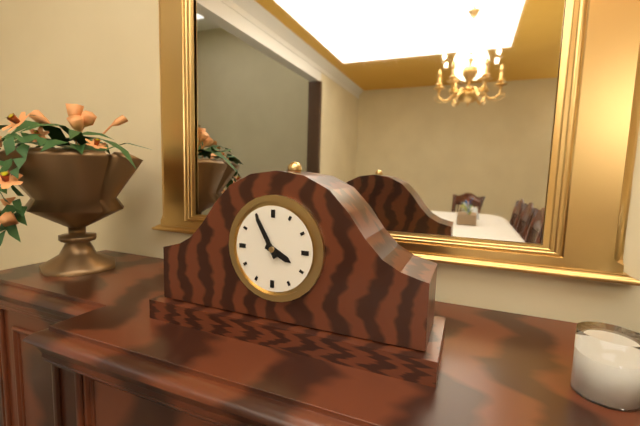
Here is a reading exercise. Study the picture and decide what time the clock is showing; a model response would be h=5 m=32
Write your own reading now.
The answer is h=3 m=55
